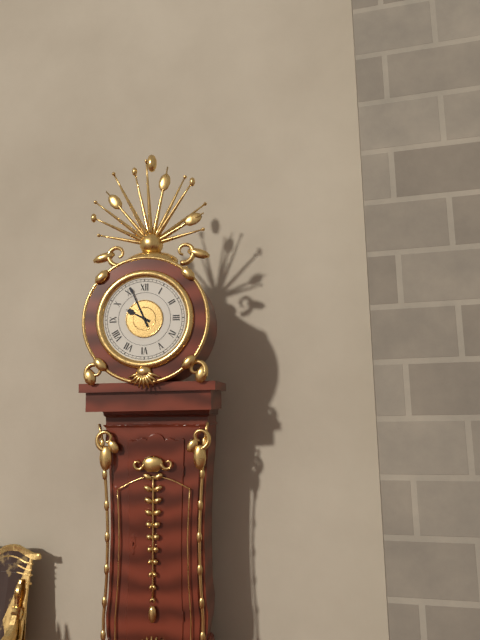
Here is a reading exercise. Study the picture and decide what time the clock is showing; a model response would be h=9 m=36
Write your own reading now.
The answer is h=9 m=56
